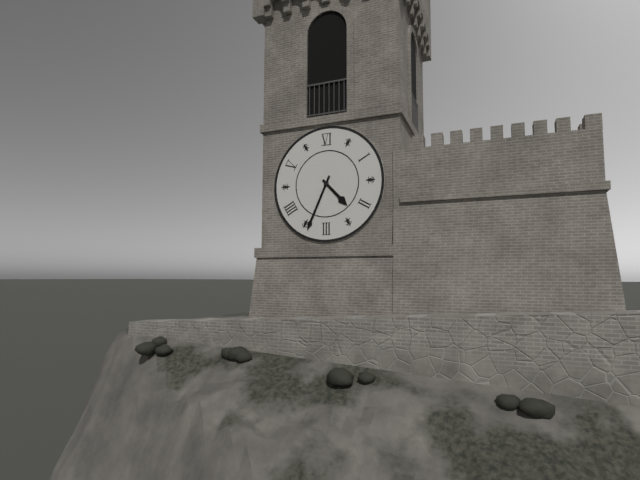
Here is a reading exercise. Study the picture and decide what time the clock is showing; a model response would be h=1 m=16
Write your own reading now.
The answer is h=4 m=34
